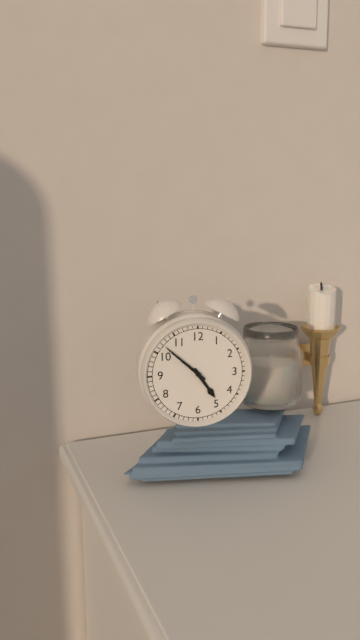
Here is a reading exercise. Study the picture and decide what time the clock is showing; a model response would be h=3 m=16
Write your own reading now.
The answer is h=4 m=52
